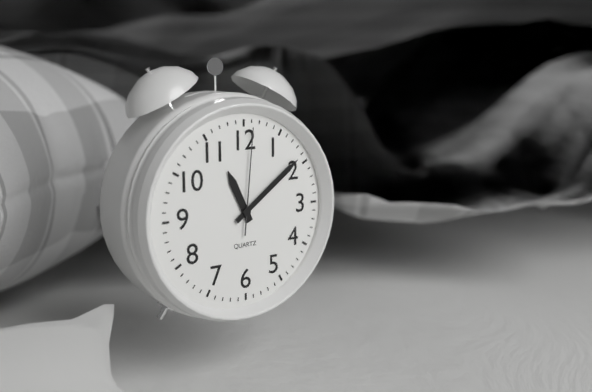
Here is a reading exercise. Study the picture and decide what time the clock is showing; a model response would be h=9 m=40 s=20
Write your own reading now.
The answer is h=11 m=9 s=1
